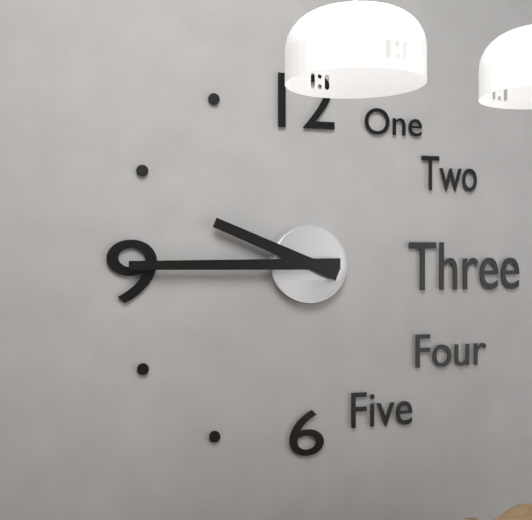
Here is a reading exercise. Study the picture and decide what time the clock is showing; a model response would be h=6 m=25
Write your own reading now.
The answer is h=9 m=45
